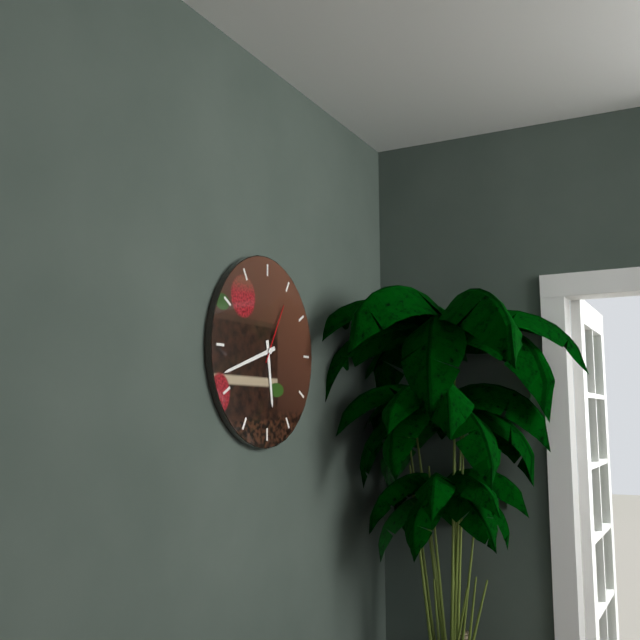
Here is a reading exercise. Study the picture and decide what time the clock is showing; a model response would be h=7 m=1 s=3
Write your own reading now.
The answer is h=5 m=42 s=5
